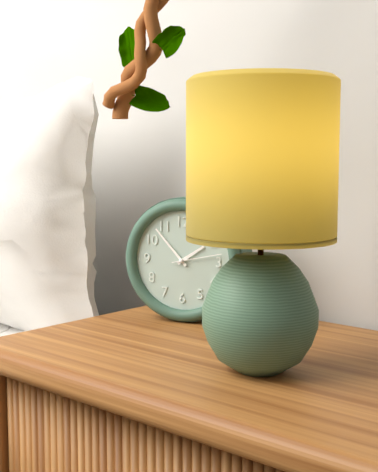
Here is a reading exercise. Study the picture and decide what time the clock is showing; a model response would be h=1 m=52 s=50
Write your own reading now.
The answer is h=1 m=53 s=13
